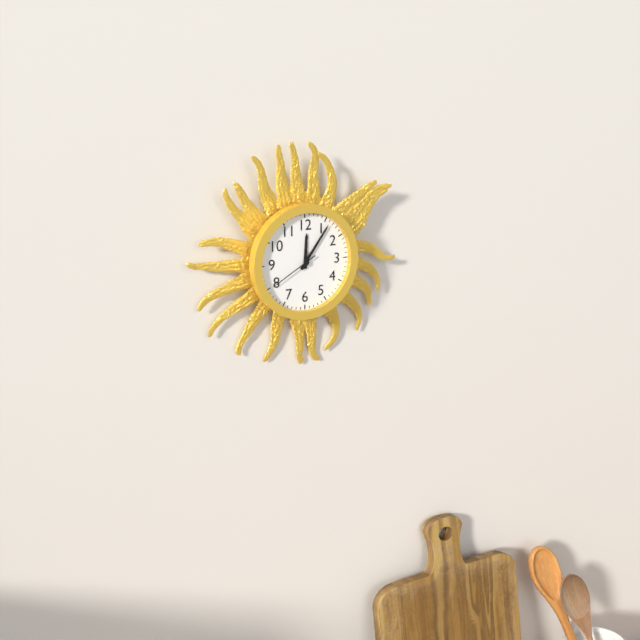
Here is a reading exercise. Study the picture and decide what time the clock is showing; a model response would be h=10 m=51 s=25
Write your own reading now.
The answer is h=12 m=6 s=40
